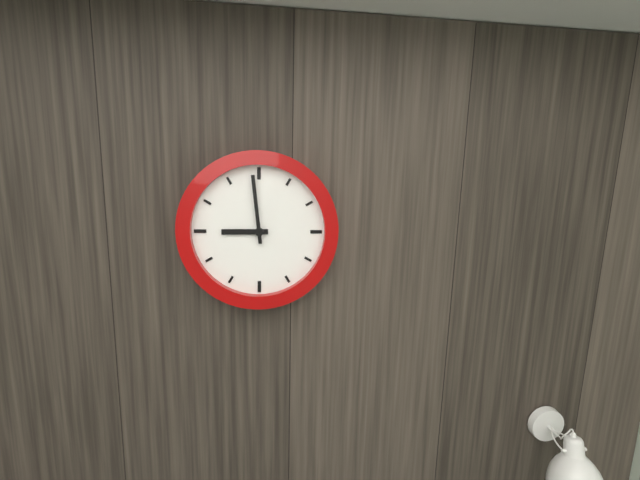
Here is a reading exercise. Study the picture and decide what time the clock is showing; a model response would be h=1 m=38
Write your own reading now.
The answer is h=8 m=59
